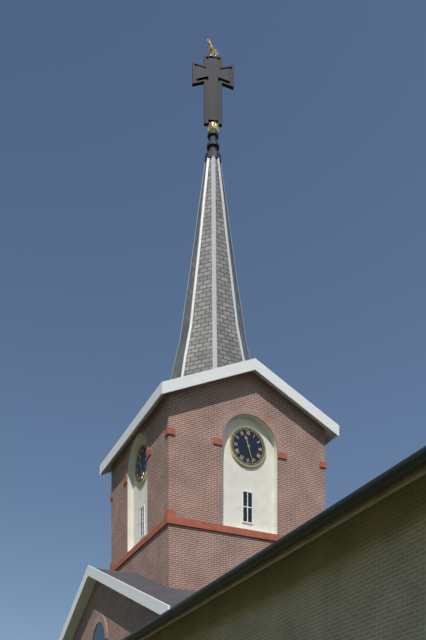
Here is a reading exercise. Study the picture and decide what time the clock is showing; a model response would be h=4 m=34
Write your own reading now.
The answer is h=11 m=27
